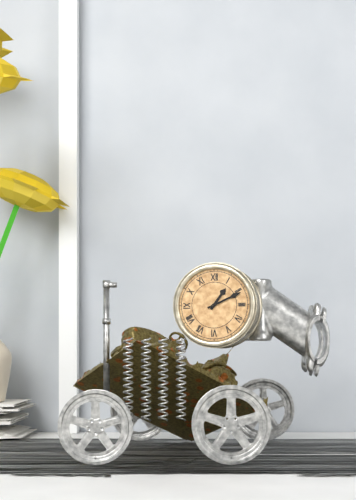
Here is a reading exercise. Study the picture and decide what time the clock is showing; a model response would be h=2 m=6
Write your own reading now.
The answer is h=1 m=11
